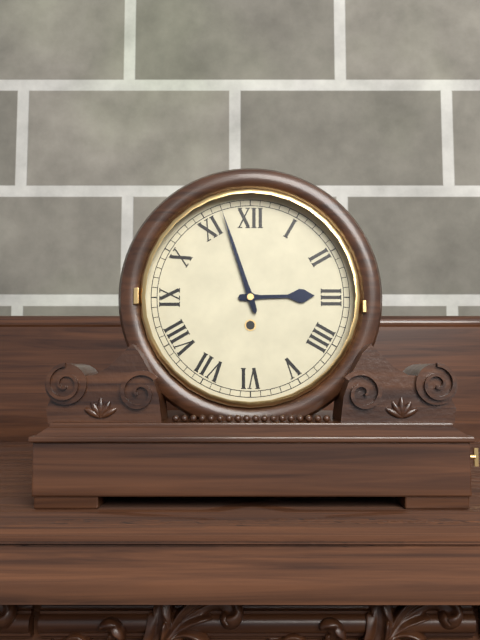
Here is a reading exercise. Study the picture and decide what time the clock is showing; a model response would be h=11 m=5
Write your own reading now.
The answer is h=2 m=57
